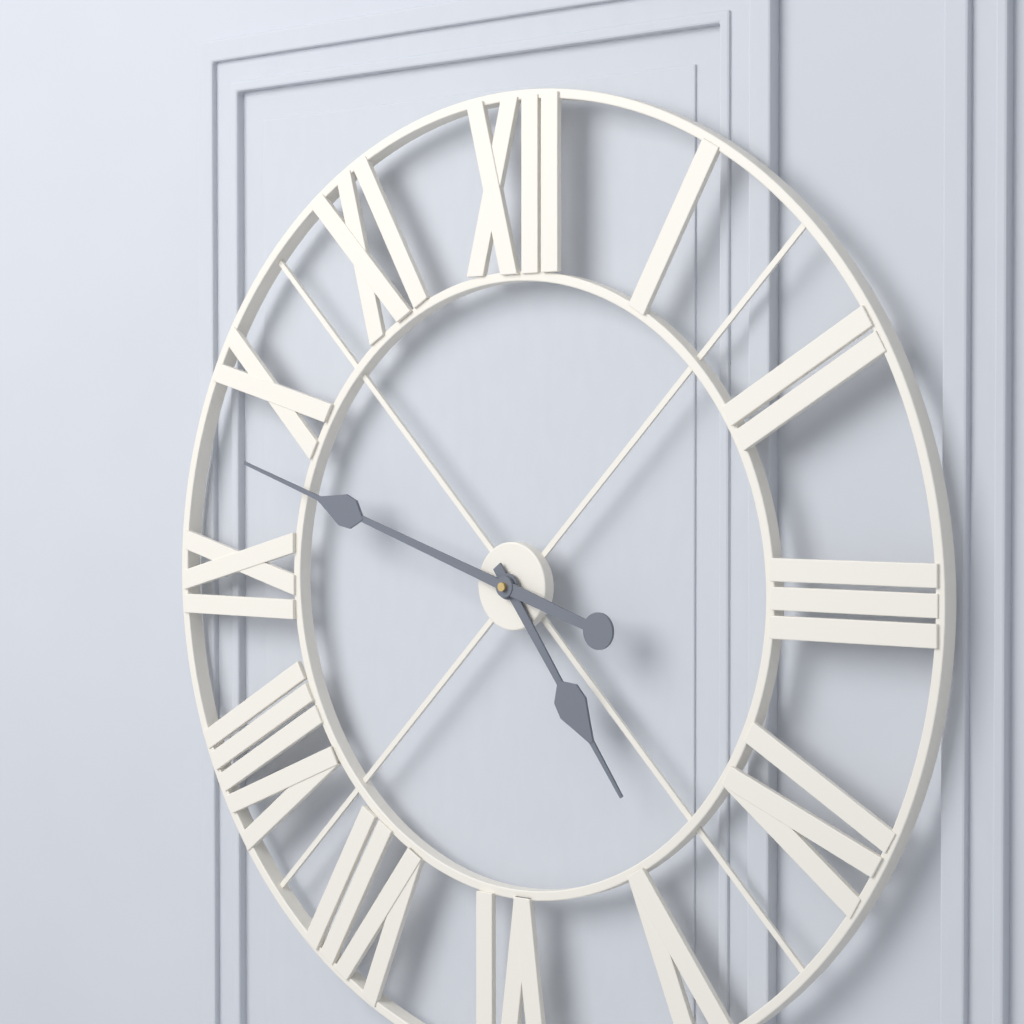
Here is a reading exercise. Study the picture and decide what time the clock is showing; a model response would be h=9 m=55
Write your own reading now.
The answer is h=4 m=48
